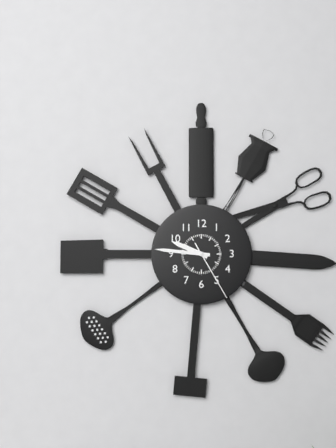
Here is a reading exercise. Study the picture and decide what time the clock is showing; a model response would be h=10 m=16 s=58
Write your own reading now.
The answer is h=9 m=46 s=25
